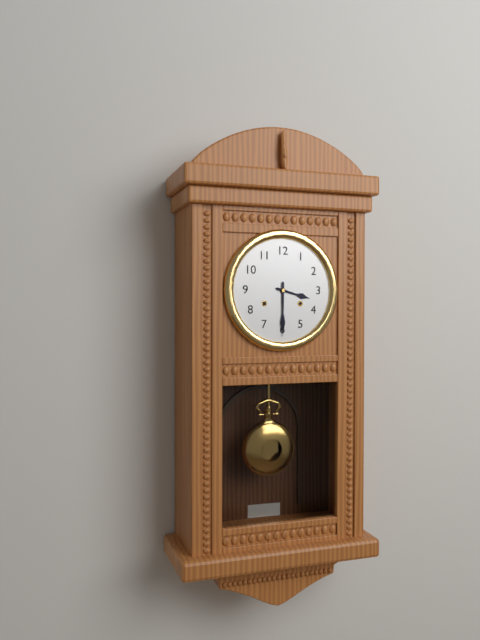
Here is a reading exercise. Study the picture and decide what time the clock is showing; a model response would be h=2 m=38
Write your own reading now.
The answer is h=3 m=30
